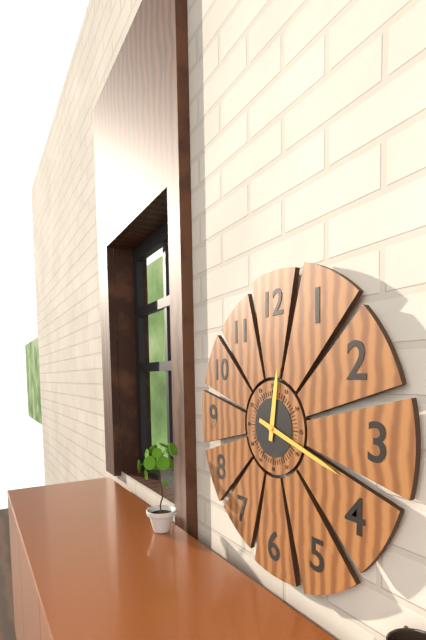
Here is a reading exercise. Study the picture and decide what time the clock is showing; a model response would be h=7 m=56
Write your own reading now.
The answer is h=12 m=18
